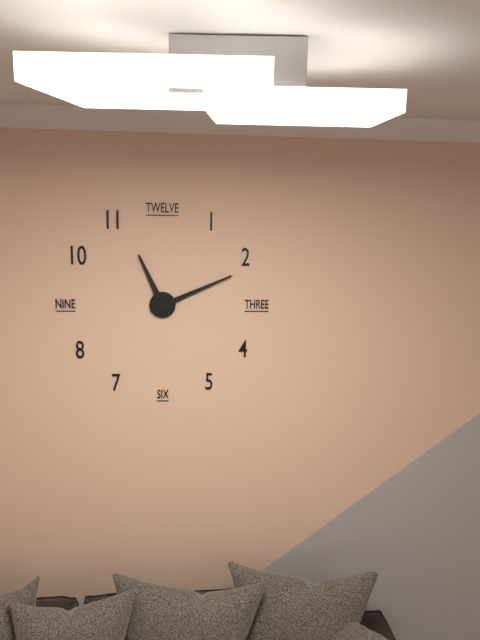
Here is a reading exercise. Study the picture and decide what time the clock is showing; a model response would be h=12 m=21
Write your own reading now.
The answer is h=11 m=11
